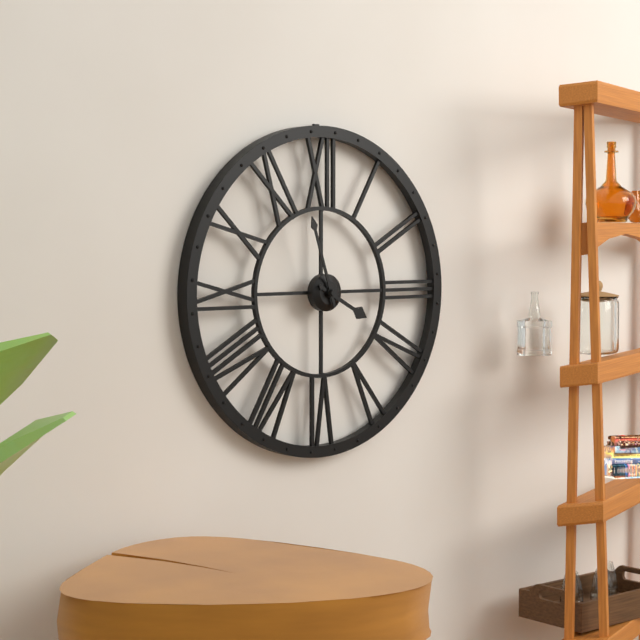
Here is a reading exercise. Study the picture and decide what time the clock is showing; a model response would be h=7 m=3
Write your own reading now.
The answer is h=3 m=57
